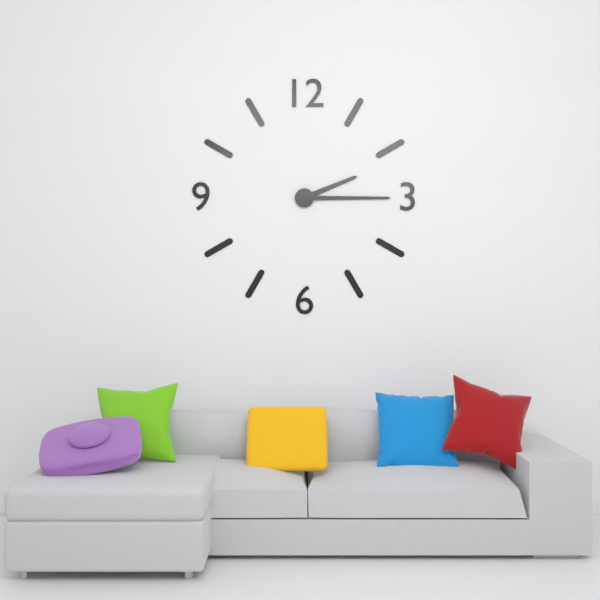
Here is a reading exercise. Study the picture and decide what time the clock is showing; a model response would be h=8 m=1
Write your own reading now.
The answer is h=2 m=15
